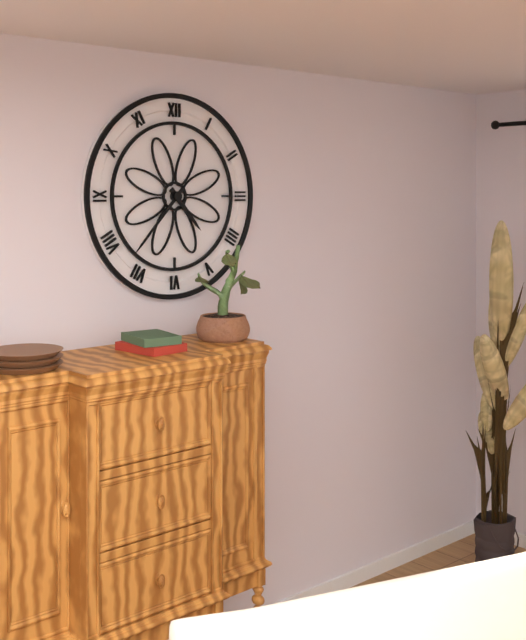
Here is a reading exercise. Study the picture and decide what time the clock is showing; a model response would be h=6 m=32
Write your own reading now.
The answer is h=4 m=37
